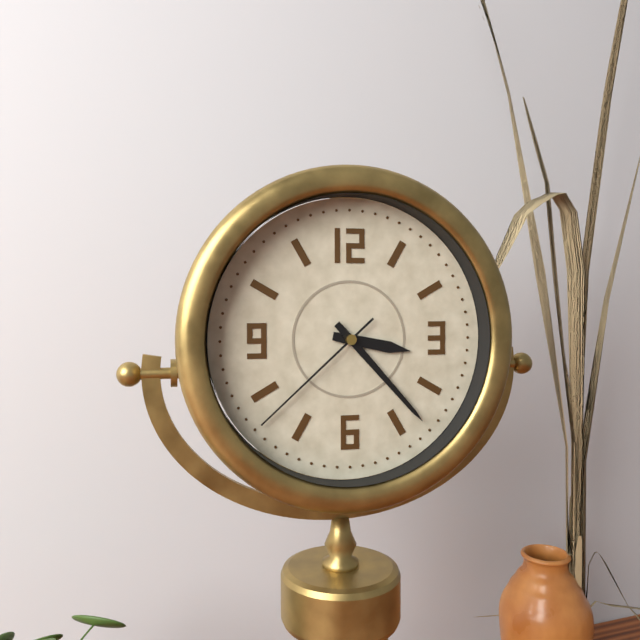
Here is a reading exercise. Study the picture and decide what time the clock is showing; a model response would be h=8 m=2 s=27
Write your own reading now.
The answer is h=3 m=23 s=38
